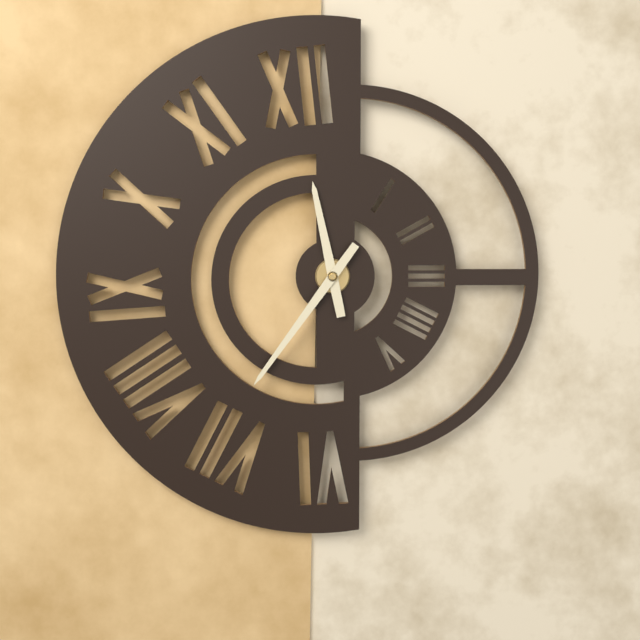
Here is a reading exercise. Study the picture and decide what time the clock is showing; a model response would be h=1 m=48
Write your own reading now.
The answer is h=11 m=36
